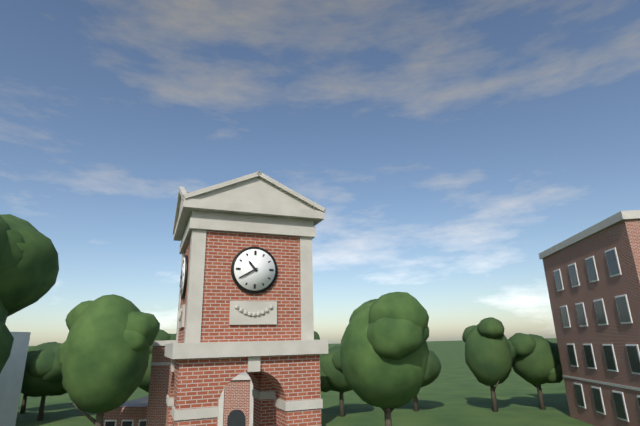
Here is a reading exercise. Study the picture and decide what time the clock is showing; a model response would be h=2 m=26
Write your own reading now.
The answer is h=10 m=40
